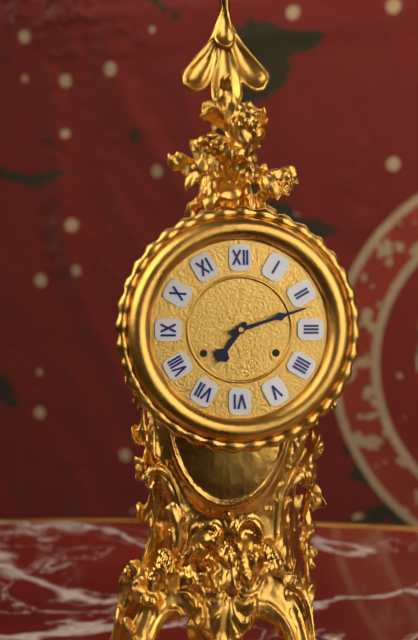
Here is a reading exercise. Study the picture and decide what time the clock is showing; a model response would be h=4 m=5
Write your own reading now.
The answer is h=7 m=12
